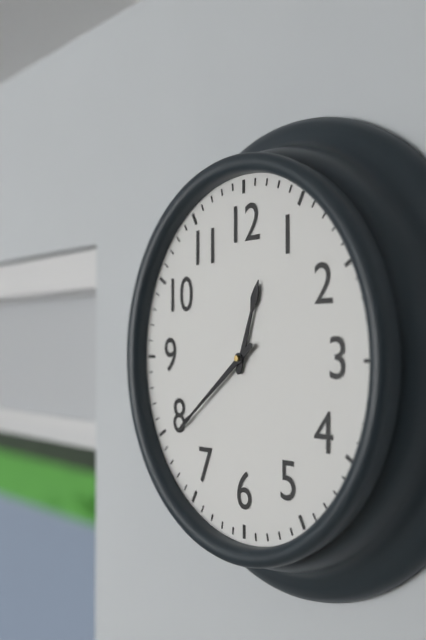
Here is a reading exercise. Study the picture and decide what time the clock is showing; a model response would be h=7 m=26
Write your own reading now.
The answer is h=12 m=39
